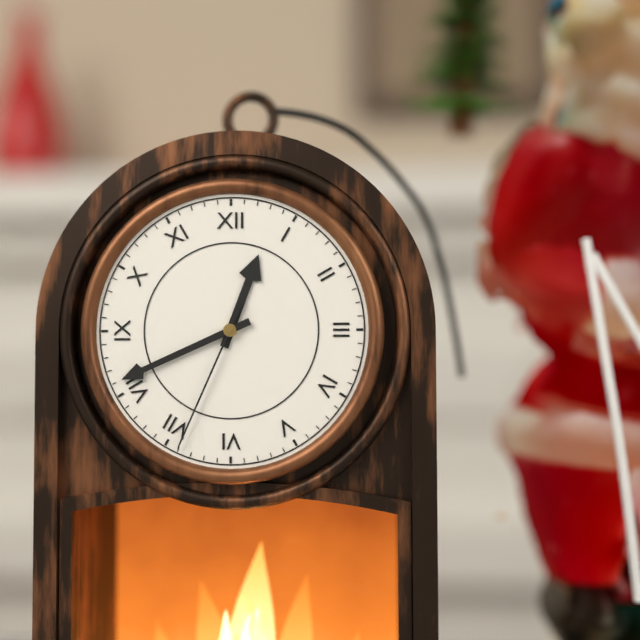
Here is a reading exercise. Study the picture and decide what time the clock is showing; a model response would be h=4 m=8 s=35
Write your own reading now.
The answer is h=12 m=41 s=34
